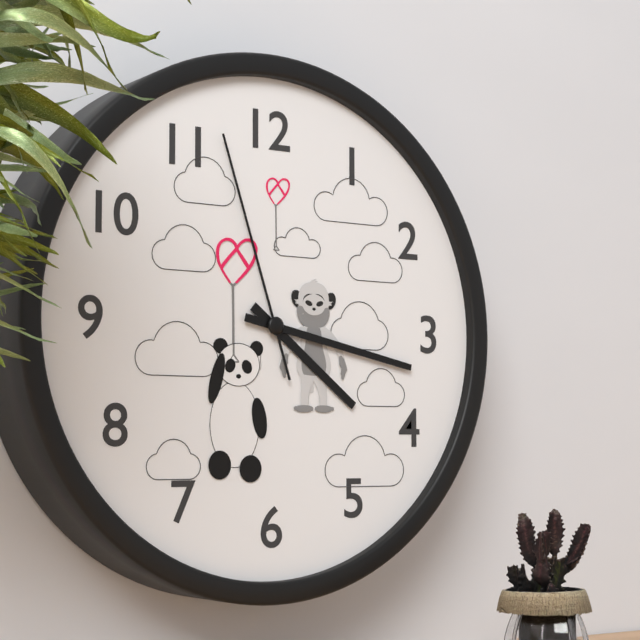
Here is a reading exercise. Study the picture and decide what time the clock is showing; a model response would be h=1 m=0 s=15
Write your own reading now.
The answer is h=4 m=17 s=57
